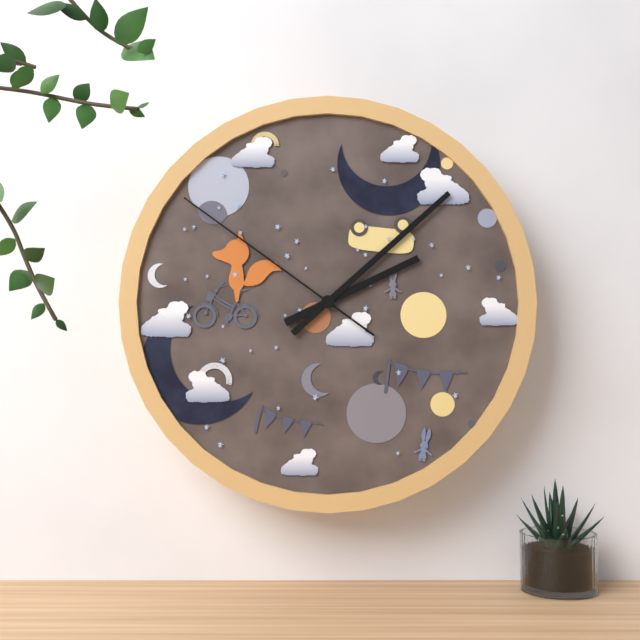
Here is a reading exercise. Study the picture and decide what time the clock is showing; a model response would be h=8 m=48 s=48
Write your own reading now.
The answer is h=2 m=8 s=51
